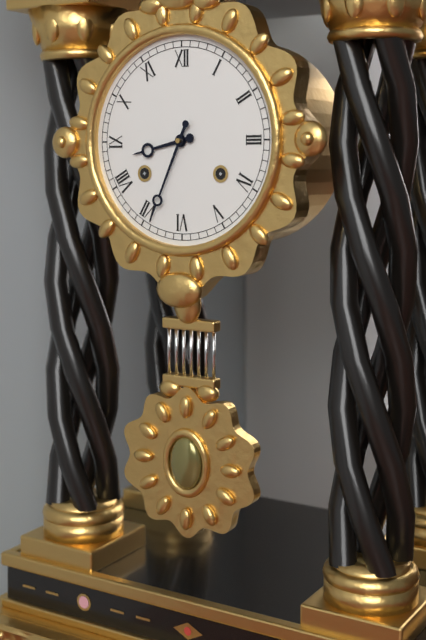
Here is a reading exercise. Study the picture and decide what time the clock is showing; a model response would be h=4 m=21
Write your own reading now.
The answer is h=8 m=34
